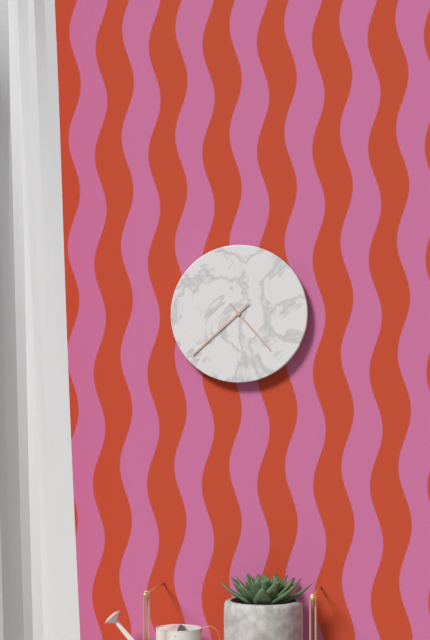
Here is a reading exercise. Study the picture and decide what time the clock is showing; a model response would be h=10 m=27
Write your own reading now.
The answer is h=4 m=38
